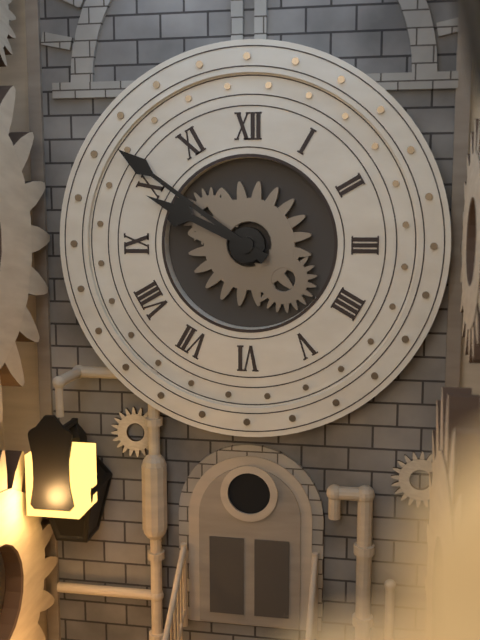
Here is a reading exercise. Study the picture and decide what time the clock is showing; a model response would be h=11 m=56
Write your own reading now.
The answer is h=9 m=51
